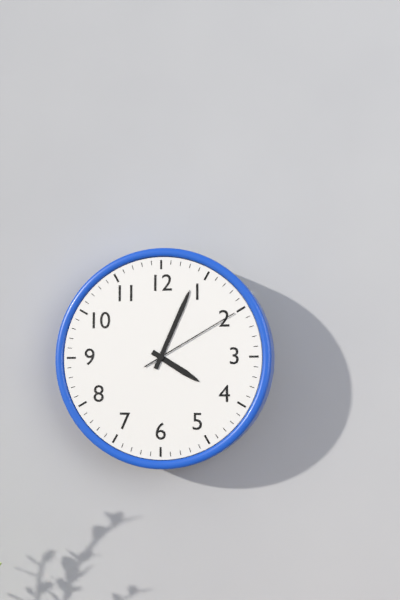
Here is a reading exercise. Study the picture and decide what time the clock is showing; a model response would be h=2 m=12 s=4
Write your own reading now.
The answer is h=4 m=4 s=10
